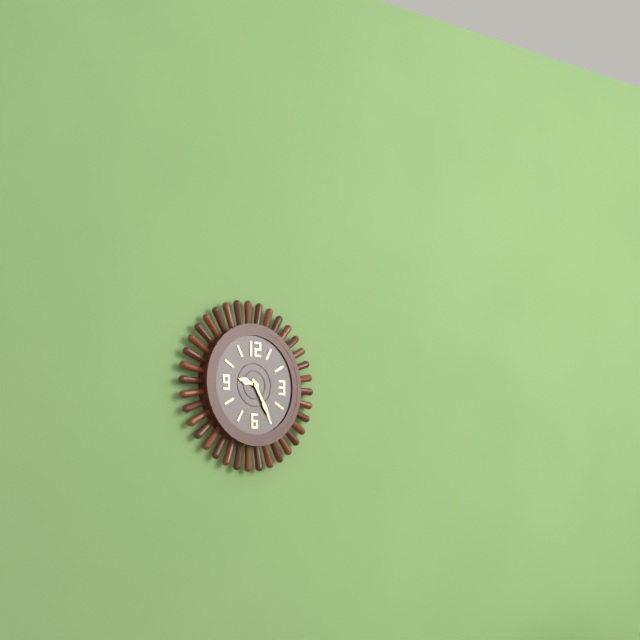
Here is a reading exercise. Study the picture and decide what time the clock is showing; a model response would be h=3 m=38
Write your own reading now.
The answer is h=9 m=25
